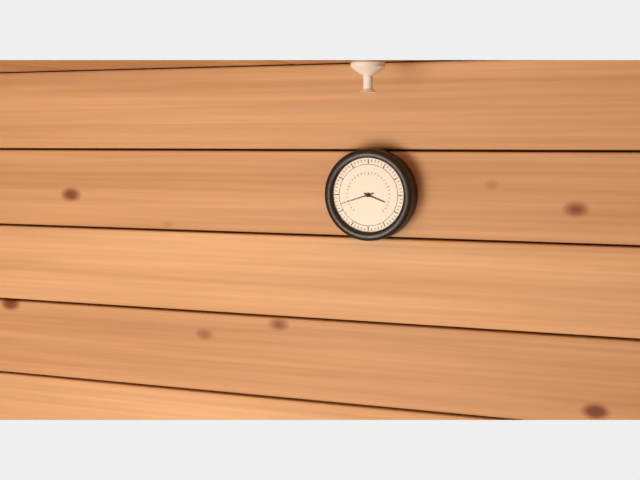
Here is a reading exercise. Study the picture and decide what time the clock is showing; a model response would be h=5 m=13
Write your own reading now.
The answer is h=3 m=42
